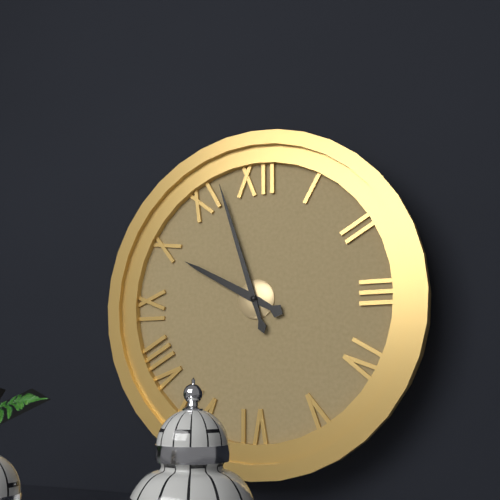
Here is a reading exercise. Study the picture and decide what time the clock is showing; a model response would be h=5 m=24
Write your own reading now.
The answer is h=9 m=57
